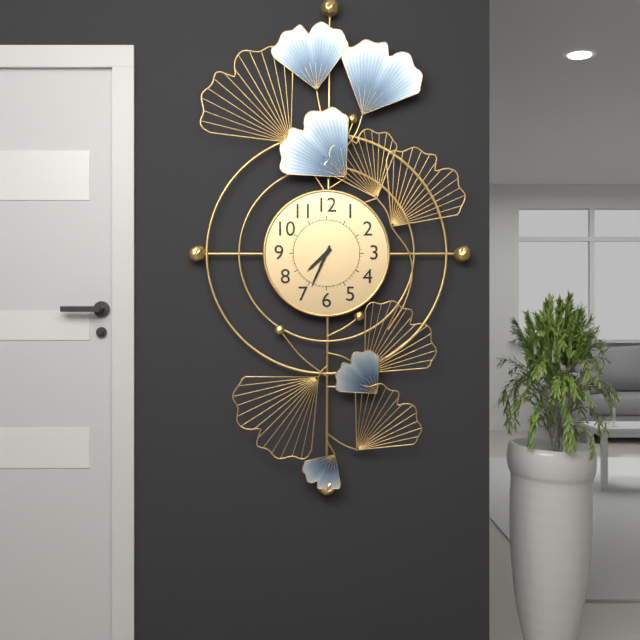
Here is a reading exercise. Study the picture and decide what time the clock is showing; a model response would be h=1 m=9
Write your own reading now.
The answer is h=7 m=34
